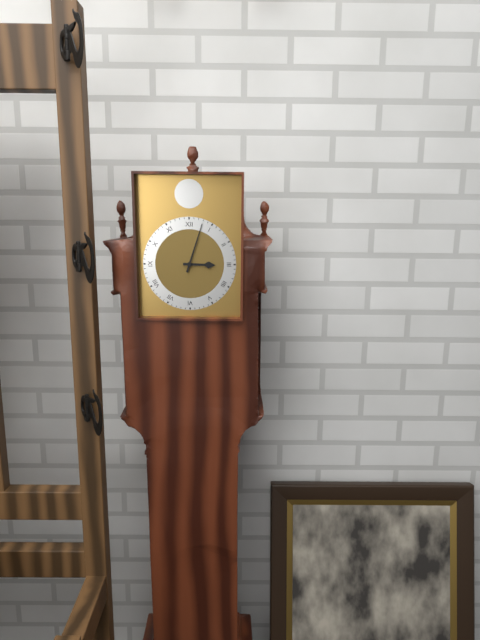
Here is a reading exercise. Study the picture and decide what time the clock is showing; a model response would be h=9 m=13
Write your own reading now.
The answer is h=3 m=3
